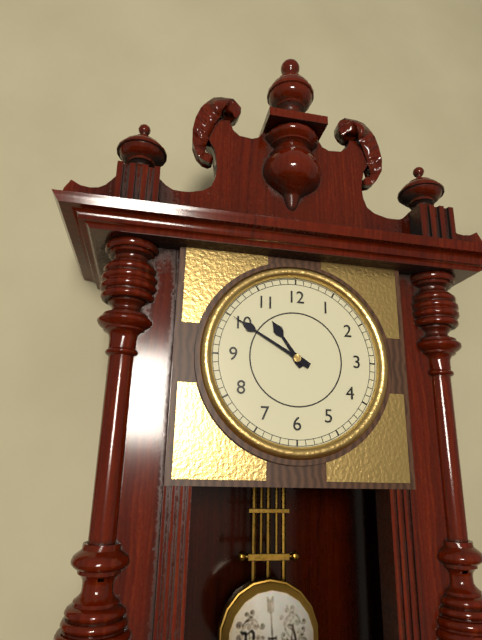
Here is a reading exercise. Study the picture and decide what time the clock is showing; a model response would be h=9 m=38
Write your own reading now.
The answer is h=10 m=50
